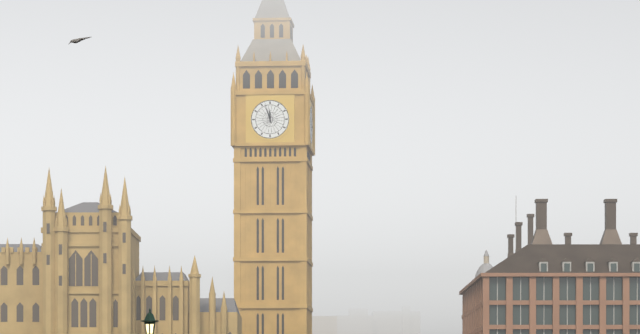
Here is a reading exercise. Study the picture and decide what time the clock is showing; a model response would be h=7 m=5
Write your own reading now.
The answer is h=11 m=57
